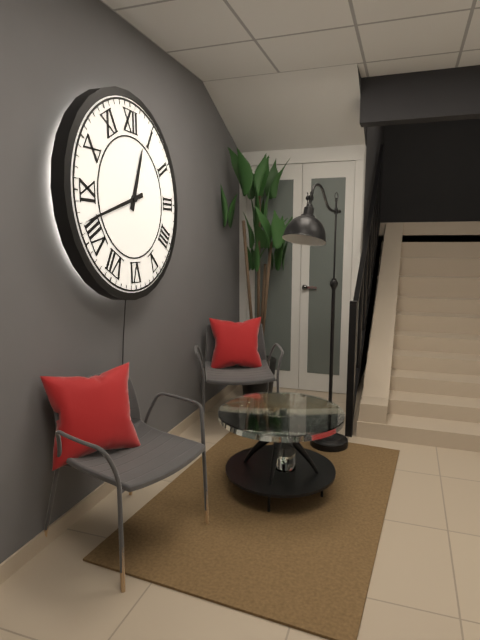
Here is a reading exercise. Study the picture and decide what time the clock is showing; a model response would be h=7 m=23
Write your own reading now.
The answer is h=12 m=42
